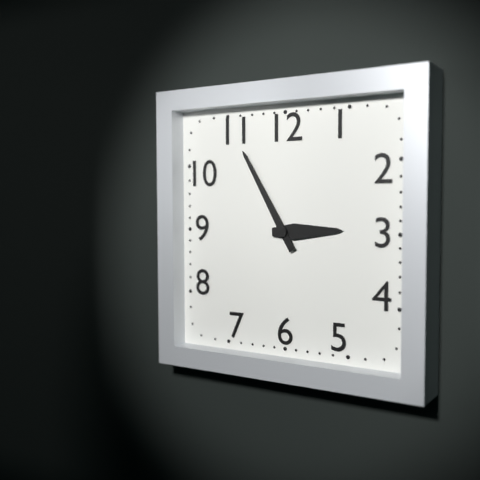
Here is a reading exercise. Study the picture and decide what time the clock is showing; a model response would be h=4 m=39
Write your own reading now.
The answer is h=2 m=55
